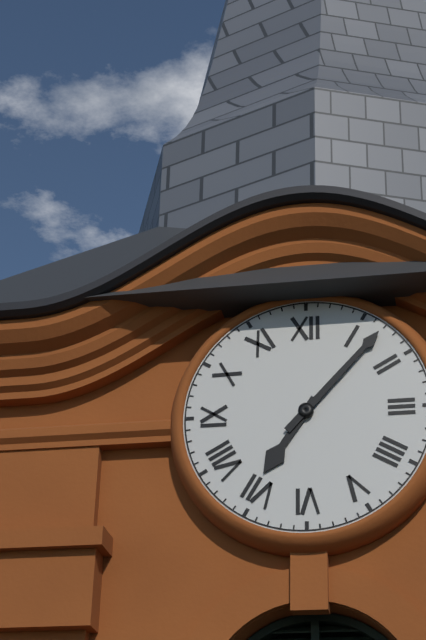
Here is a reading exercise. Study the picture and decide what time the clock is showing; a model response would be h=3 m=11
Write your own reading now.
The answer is h=7 m=7
